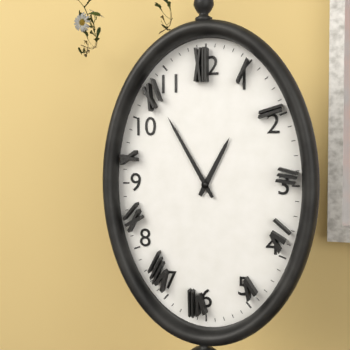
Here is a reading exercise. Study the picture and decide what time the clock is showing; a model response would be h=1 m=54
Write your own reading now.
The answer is h=12 m=55
